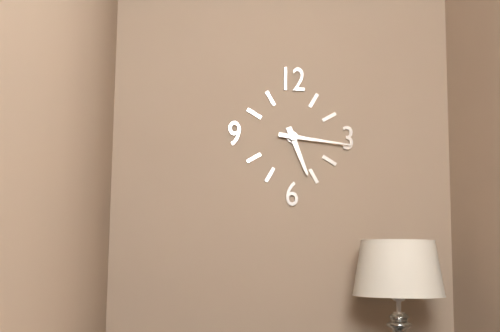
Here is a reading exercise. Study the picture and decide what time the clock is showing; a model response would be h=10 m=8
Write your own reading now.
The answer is h=5 m=16
